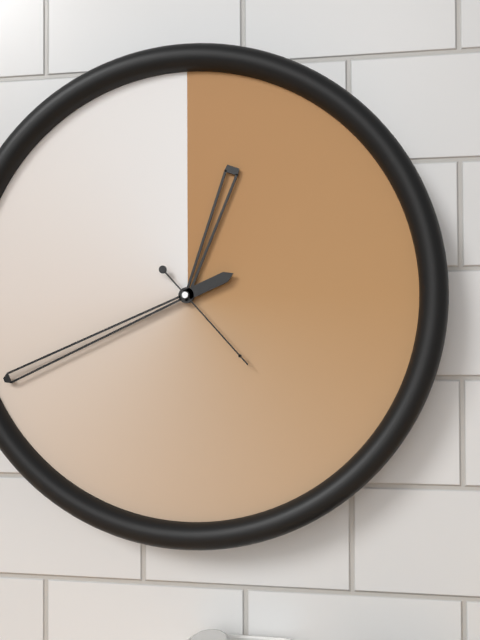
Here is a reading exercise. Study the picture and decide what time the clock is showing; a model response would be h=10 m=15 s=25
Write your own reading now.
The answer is h=12 m=41 s=23
